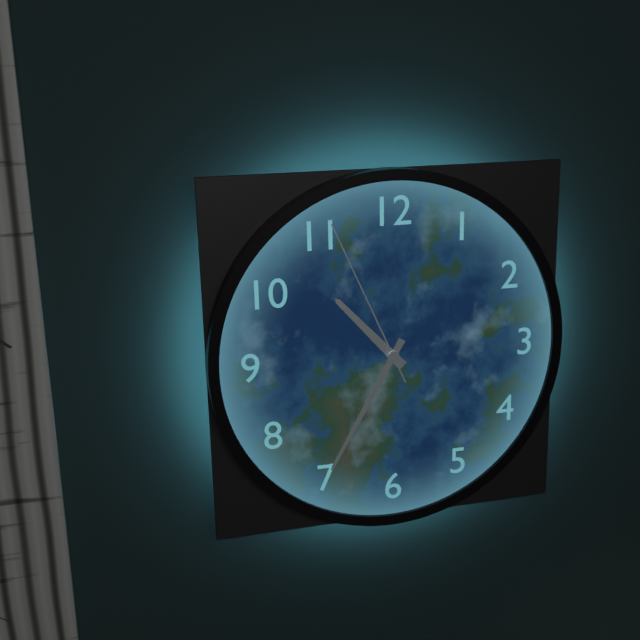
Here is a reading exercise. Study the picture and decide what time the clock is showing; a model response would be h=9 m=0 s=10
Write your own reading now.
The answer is h=10 m=35 s=56
